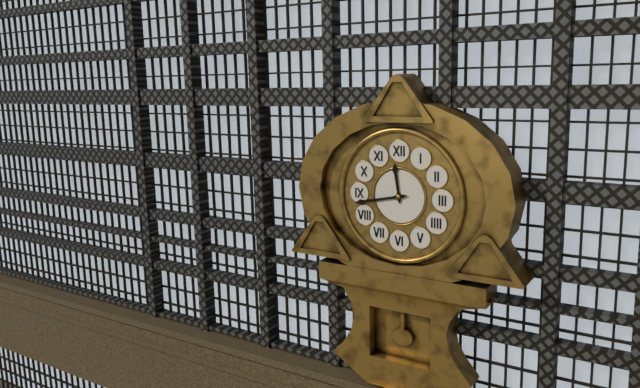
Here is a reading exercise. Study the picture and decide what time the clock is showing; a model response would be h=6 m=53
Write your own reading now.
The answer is h=11 m=43
